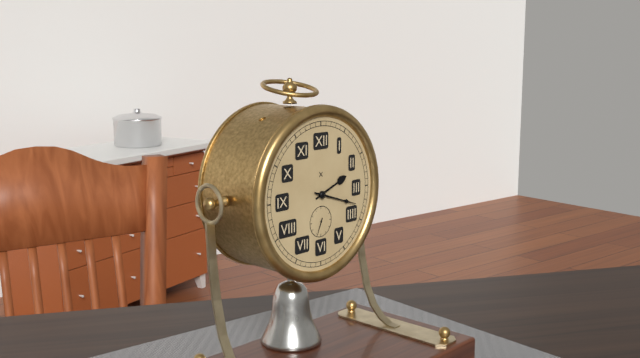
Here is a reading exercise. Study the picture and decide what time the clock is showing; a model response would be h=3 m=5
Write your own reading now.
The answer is h=2 m=18
